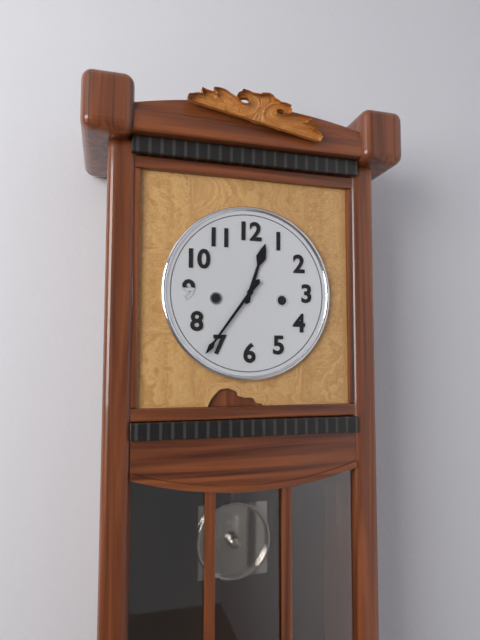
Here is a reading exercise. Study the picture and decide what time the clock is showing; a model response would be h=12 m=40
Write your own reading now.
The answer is h=12 m=36
